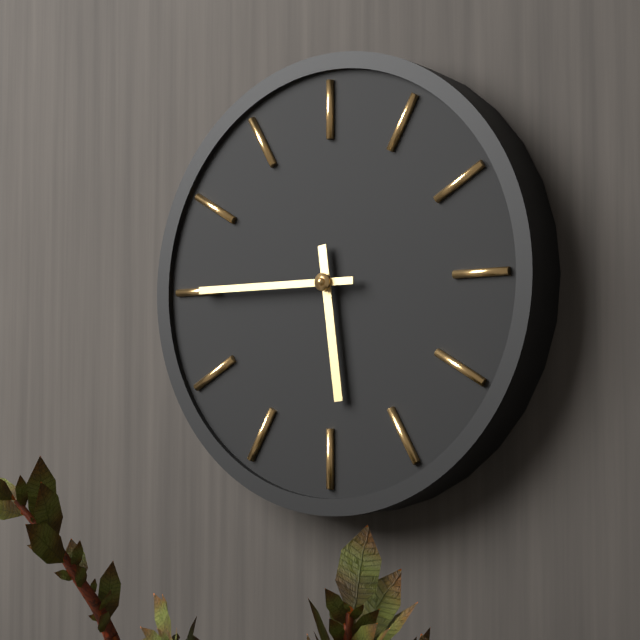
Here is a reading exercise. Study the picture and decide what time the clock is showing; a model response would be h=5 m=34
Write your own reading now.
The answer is h=5 m=45
